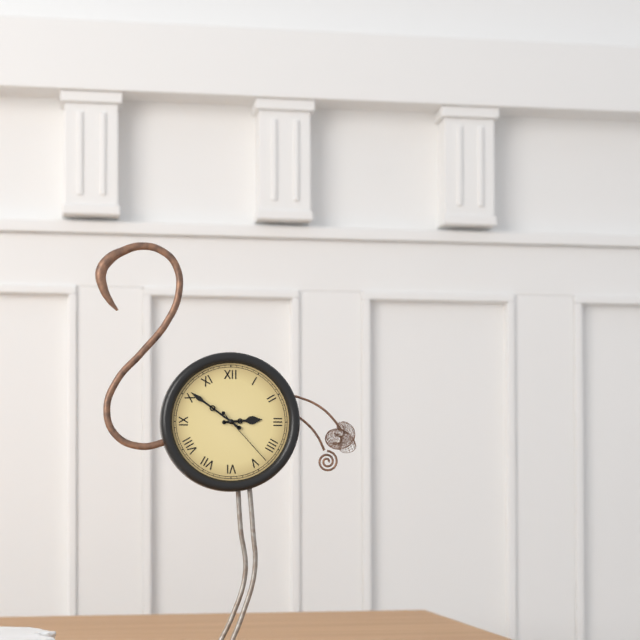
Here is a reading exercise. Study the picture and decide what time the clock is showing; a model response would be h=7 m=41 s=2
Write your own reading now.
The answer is h=2 m=51 s=23
